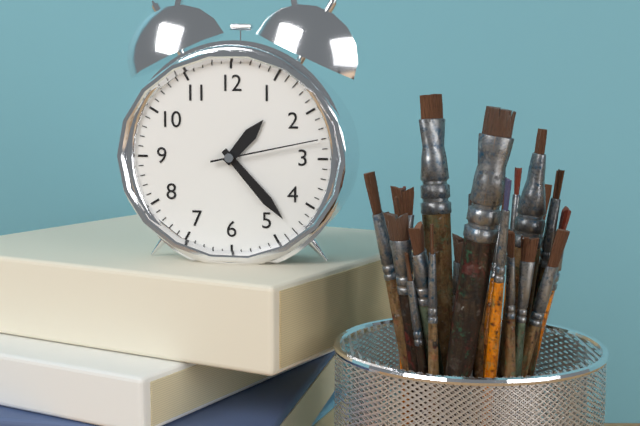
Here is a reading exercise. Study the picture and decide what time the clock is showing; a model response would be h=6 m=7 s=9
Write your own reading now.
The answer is h=1 m=23 s=13
